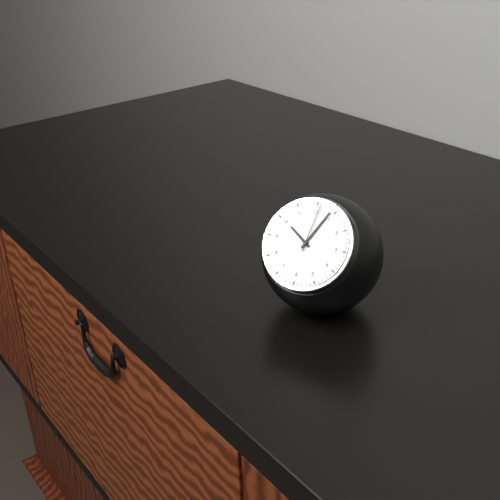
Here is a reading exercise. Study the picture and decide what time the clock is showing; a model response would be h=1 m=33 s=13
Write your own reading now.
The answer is h=10 m=4 s=1
